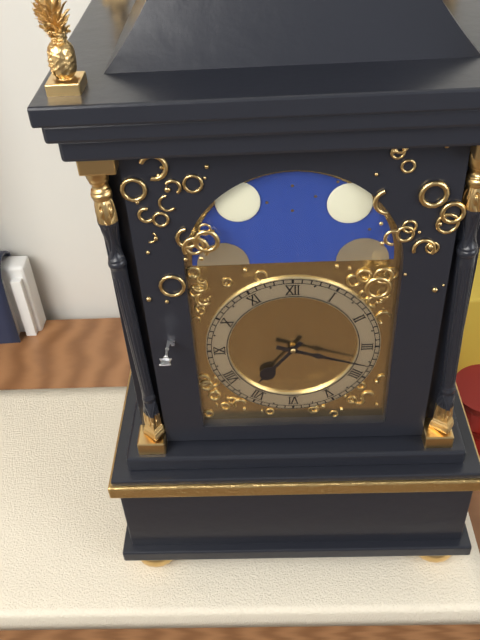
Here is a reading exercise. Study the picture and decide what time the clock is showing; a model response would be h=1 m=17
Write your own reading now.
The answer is h=7 m=18
